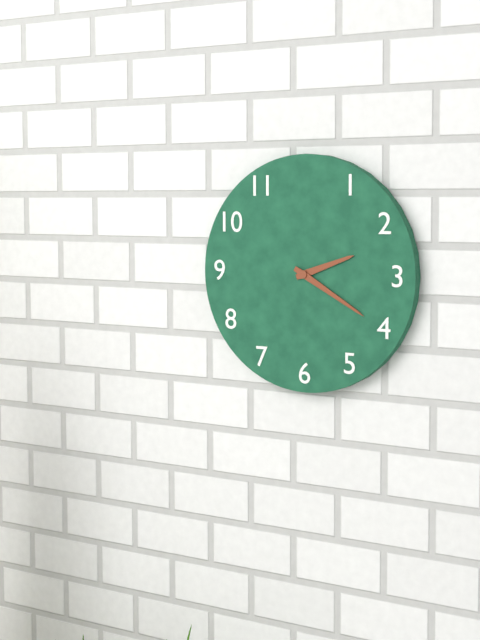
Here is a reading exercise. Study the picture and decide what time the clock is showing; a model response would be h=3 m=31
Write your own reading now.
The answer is h=2 m=20
